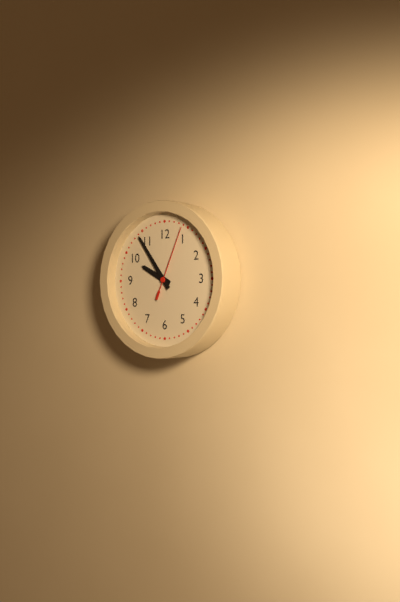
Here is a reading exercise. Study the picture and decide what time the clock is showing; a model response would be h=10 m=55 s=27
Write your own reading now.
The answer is h=9 m=54 s=4
